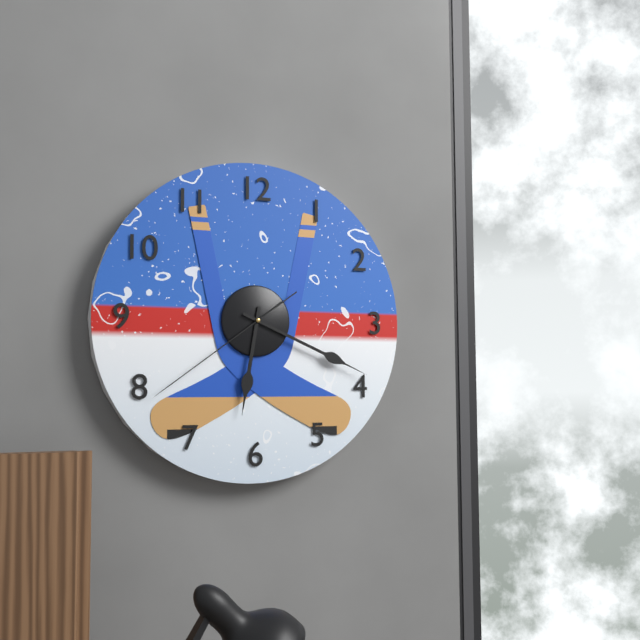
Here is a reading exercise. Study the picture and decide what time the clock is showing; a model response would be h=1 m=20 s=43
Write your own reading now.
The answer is h=6 m=19 s=39
